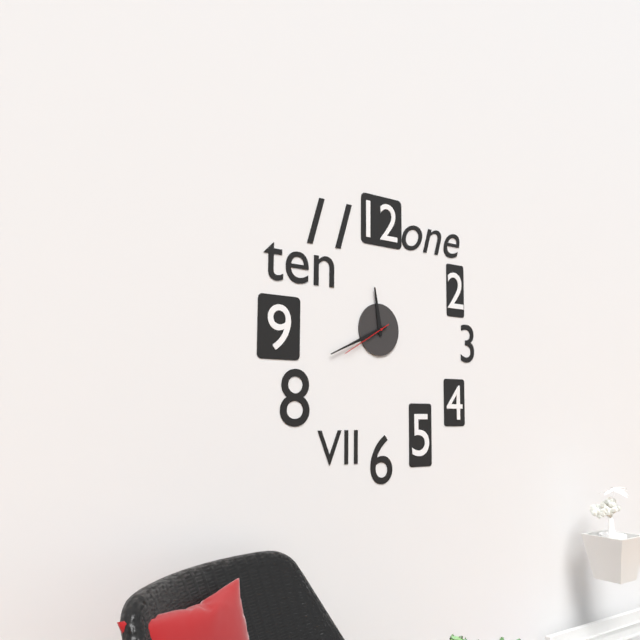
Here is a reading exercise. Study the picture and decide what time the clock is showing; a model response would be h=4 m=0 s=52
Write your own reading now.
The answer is h=11 m=41 s=40
